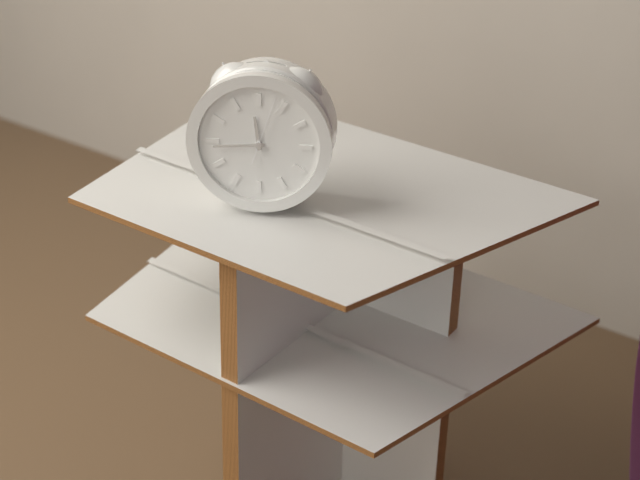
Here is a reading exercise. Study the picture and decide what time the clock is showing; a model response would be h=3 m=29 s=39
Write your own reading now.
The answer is h=11 m=44 s=3
